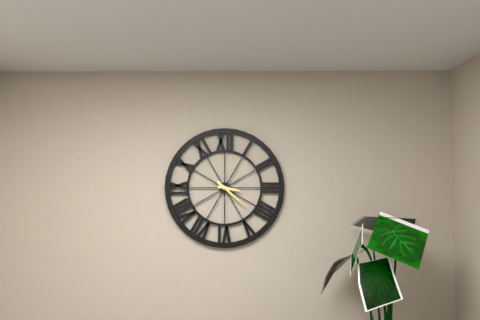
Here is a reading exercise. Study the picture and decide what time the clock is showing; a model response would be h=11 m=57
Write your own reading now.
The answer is h=3 m=22
